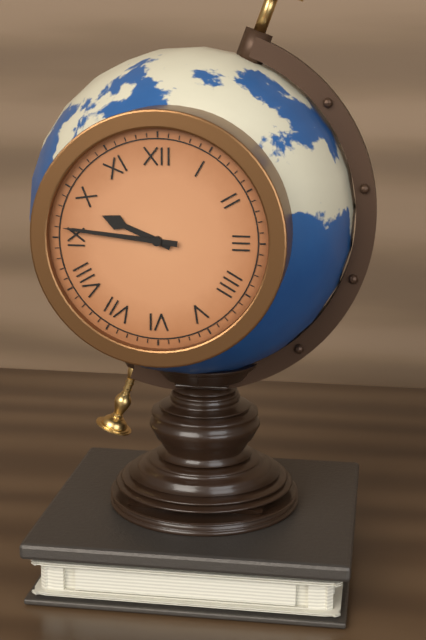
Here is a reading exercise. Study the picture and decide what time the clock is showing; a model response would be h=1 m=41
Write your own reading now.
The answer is h=9 m=46
